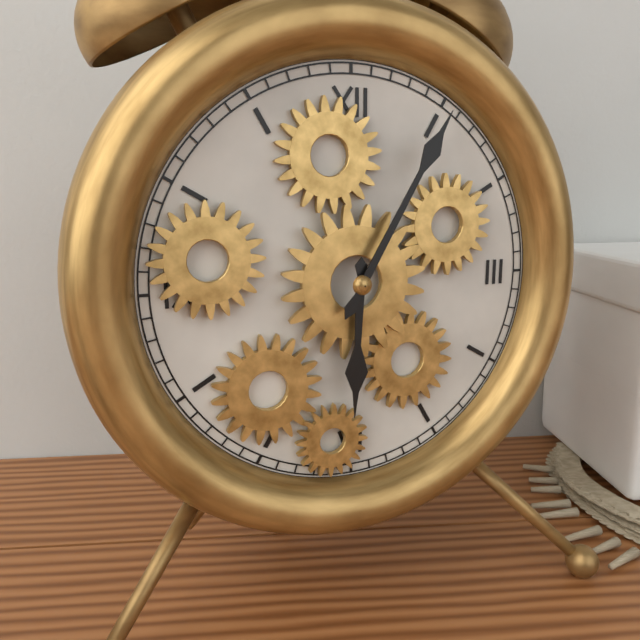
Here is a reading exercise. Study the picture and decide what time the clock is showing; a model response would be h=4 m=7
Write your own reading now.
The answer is h=6 m=5
